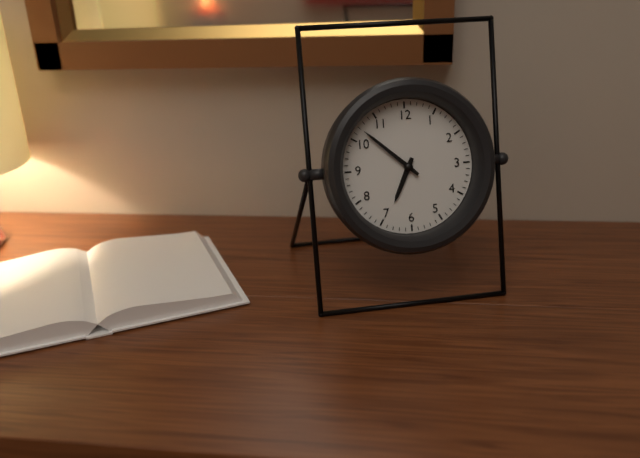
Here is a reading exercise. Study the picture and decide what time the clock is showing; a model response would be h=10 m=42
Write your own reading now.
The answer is h=6 m=52
